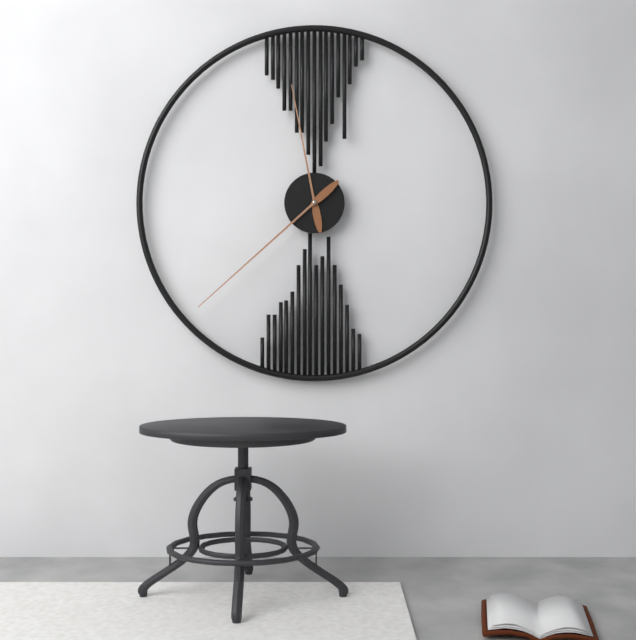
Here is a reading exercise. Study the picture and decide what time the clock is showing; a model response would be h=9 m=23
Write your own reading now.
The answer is h=11 m=38
